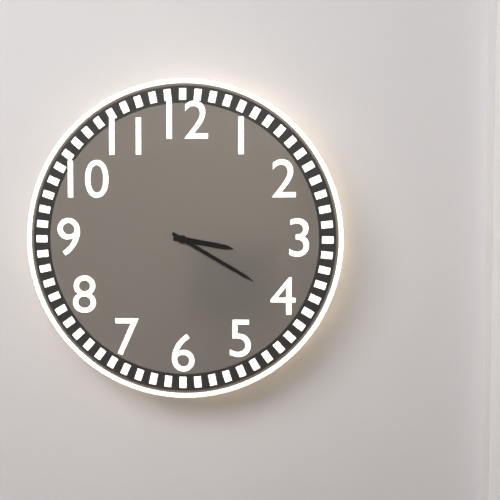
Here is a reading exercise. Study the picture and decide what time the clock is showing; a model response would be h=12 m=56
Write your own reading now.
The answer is h=3 m=20
